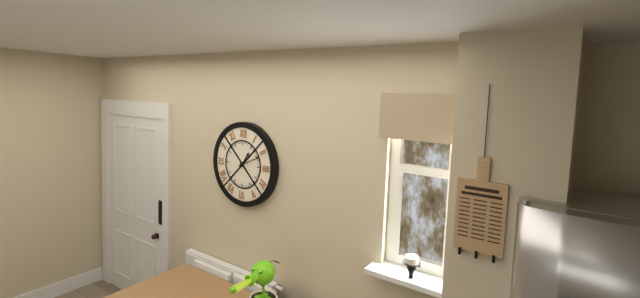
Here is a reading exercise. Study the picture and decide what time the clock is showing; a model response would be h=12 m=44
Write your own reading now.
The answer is h=1 m=11
